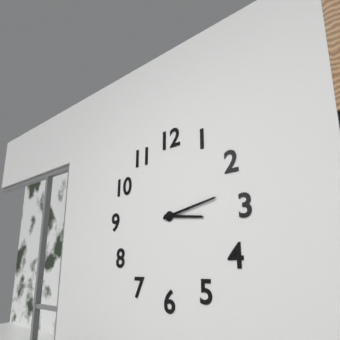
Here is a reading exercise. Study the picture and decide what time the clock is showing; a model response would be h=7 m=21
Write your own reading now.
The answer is h=3 m=13
